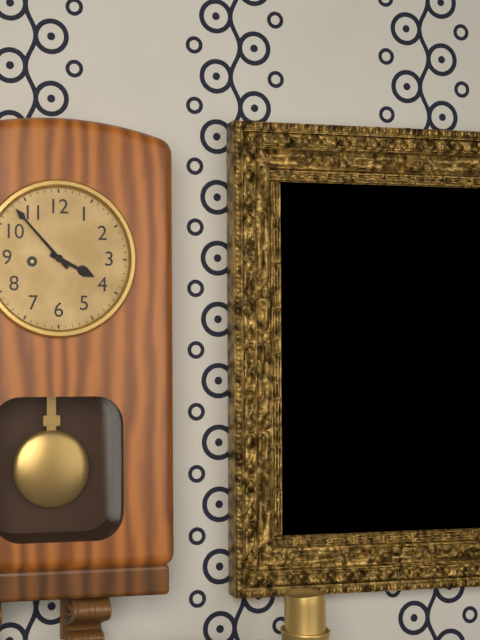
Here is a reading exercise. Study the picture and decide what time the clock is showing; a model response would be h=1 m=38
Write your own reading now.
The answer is h=3 m=53
